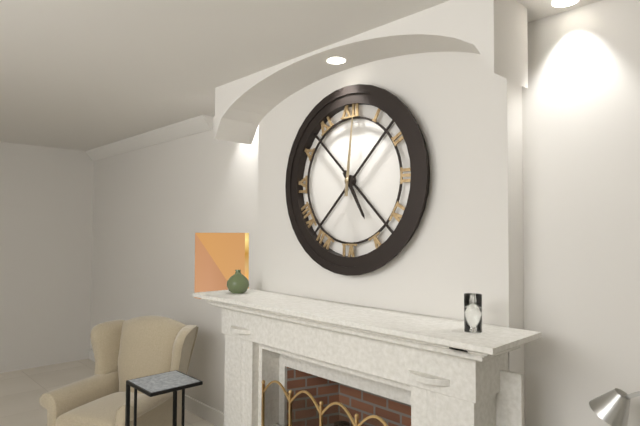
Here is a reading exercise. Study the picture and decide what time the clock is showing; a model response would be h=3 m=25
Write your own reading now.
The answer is h=5 m=1
